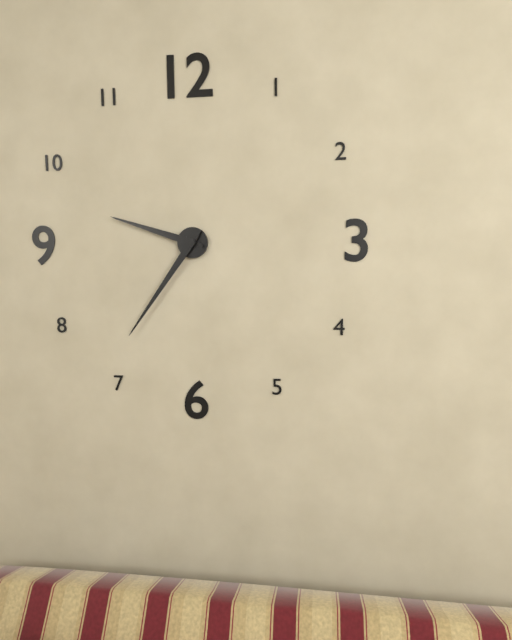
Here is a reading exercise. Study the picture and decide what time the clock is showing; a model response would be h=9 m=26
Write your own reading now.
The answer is h=9 m=36
